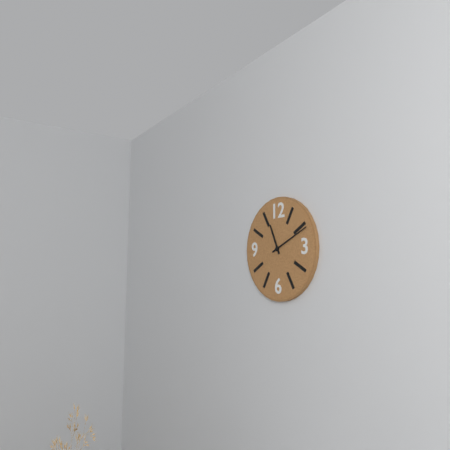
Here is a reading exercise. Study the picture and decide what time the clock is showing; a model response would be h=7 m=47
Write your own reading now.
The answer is h=11 m=11
